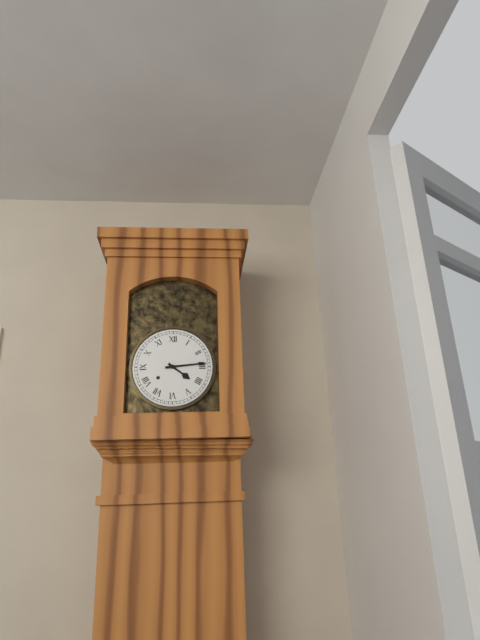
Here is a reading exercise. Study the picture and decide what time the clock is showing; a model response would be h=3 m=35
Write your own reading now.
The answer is h=4 m=14
